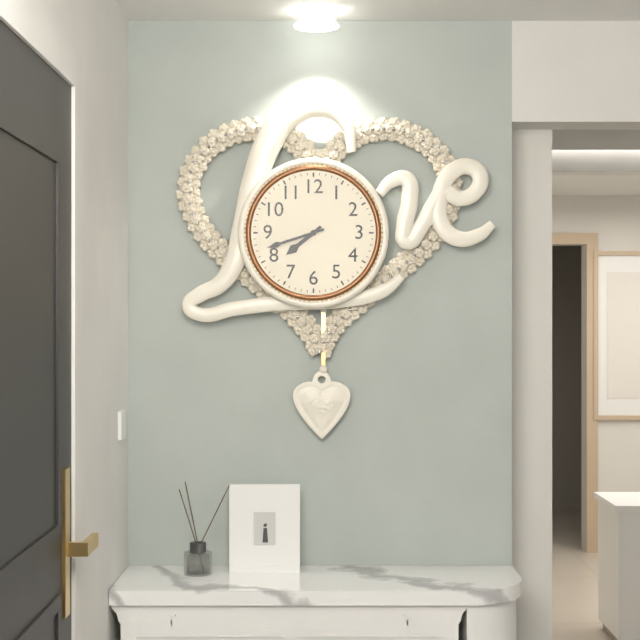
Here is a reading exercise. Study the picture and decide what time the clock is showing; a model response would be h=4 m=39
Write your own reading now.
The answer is h=7 m=42
